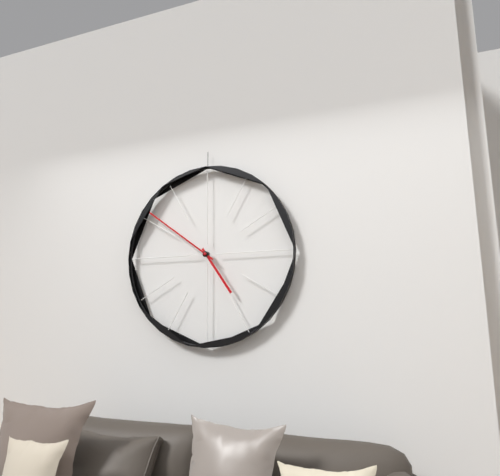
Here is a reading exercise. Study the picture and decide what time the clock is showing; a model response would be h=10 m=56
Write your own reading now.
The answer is h=4 m=51
